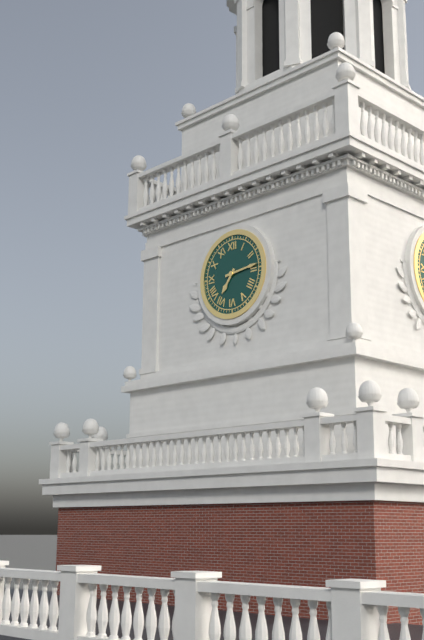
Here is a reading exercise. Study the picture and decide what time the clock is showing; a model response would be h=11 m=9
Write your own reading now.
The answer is h=7 m=14
